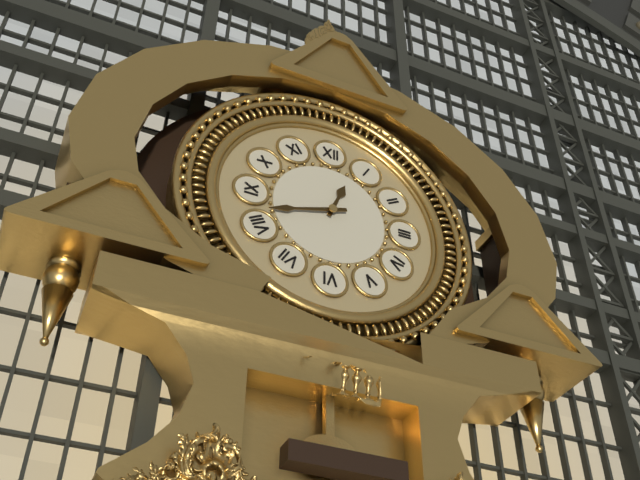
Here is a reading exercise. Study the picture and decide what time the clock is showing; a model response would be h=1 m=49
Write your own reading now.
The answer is h=12 m=42
